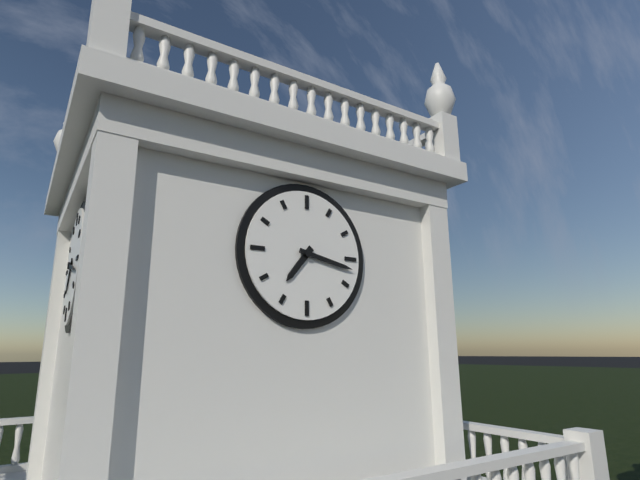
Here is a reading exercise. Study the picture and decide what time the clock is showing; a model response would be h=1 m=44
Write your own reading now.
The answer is h=7 m=17
